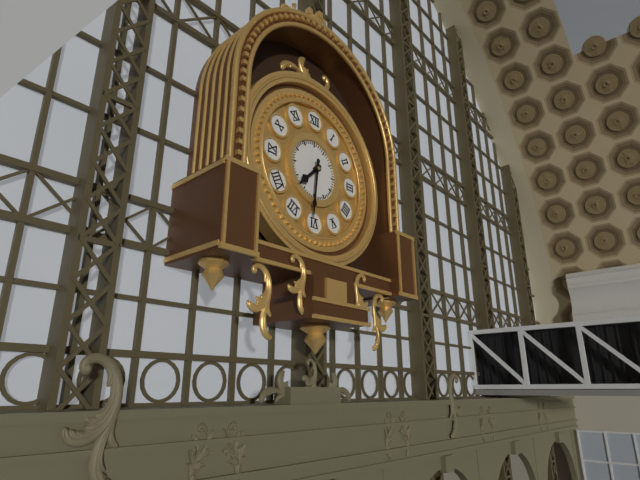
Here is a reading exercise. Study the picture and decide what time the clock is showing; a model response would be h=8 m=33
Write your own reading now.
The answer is h=7 m=31
